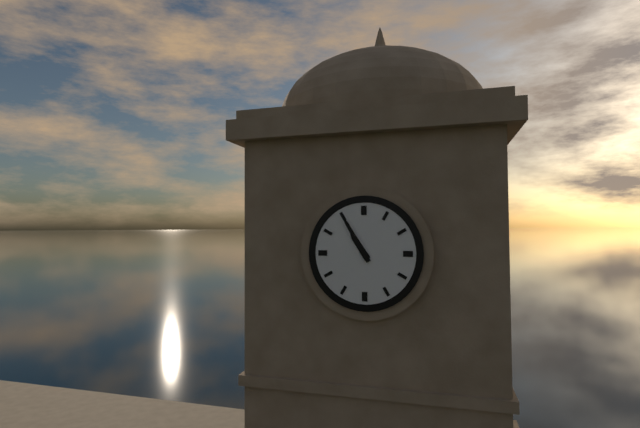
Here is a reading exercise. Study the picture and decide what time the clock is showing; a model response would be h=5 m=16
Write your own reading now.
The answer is h=10 m=55
